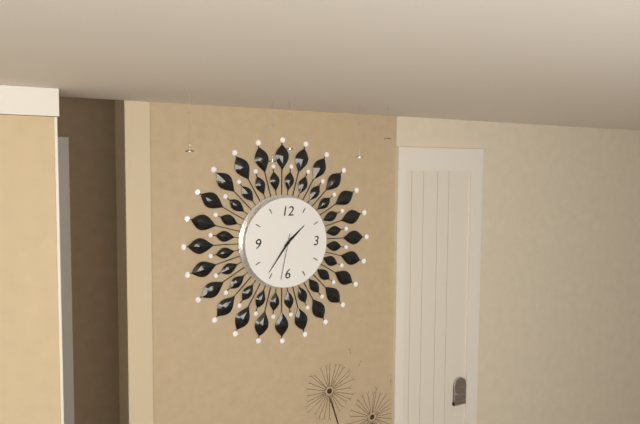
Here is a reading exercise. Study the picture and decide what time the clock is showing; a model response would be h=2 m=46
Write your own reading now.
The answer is h=1 m=36
